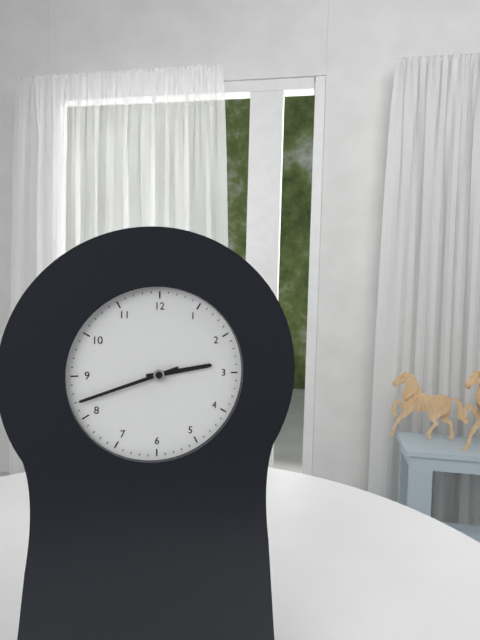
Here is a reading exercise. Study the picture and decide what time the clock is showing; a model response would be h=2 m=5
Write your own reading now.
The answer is h=2 m=42
